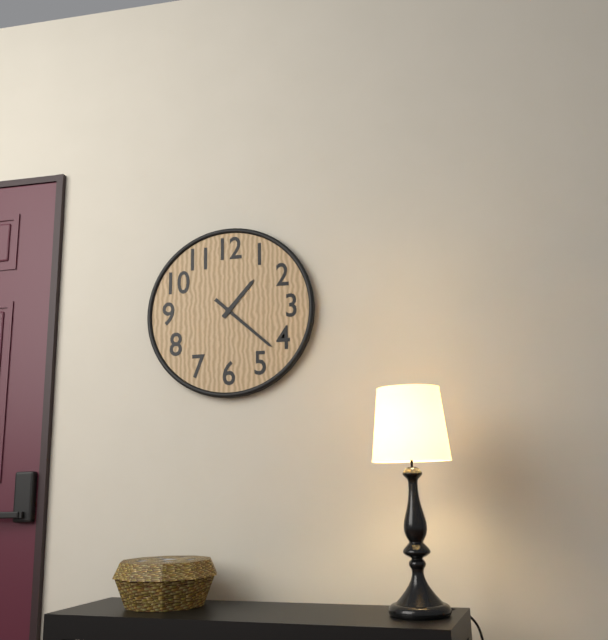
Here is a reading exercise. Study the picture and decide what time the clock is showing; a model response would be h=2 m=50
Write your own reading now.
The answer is h=1 m=22
